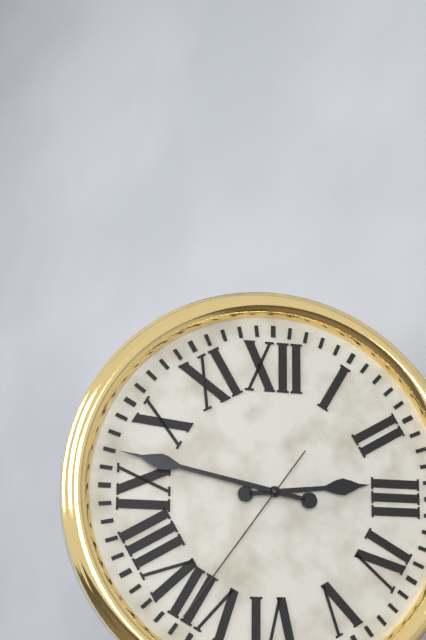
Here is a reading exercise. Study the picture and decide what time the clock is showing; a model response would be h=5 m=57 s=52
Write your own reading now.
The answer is h=2 m=47 s=36
